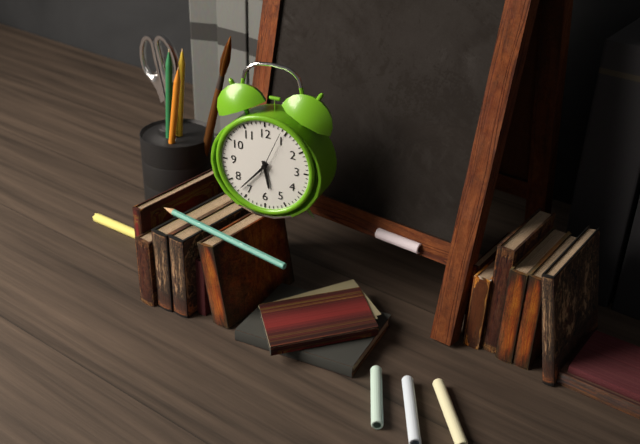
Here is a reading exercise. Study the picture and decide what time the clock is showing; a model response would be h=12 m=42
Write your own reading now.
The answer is h=5 m=37
